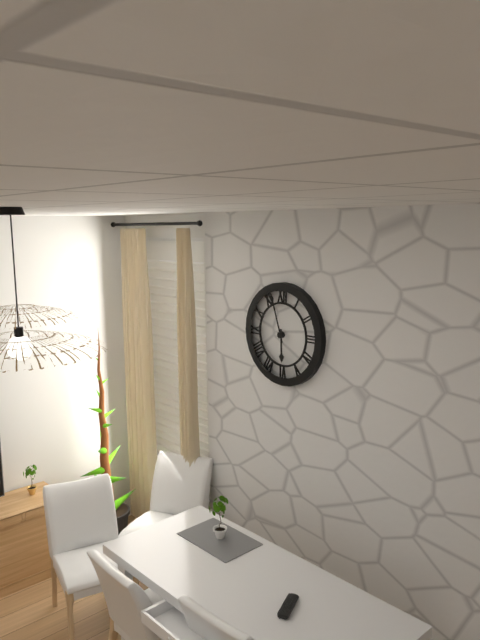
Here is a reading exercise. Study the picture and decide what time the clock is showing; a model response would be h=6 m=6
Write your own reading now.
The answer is h=5 m=57
